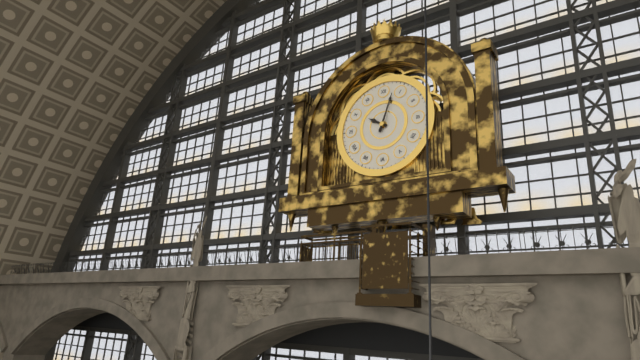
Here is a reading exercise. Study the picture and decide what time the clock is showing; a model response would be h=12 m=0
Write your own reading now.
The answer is h=10 m=3
